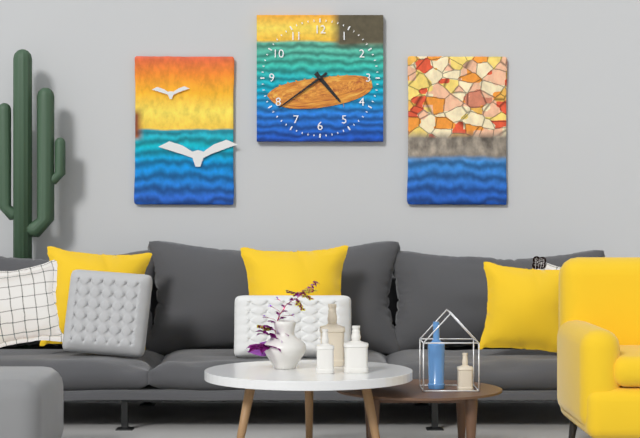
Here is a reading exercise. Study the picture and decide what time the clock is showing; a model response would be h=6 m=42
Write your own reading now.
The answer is h=4 m=39
